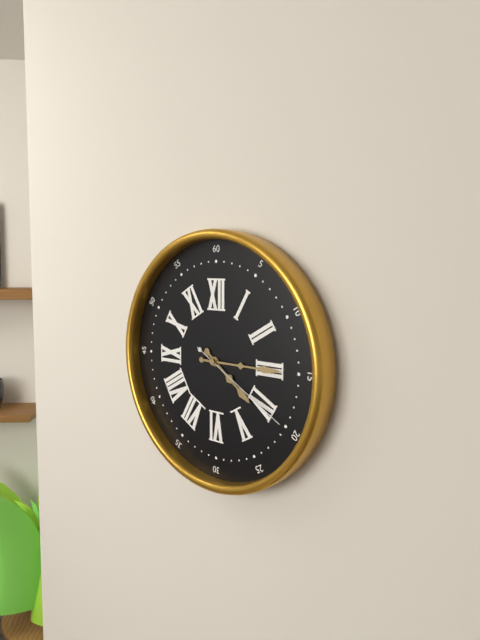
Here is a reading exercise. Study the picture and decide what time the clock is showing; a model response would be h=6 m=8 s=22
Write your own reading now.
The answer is h=4 m=15 s=20
